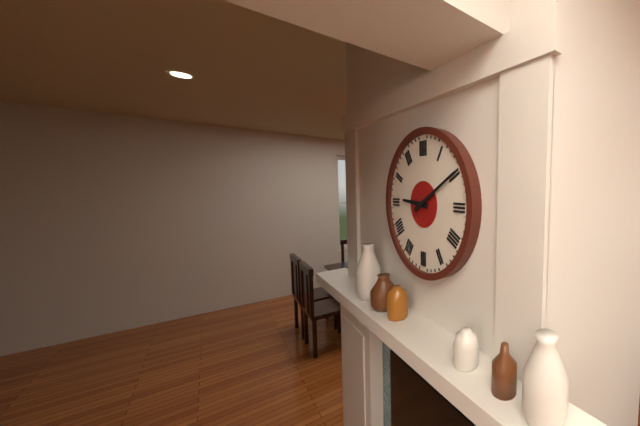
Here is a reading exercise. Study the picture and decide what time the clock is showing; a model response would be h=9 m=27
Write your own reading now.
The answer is h=9 m=10
